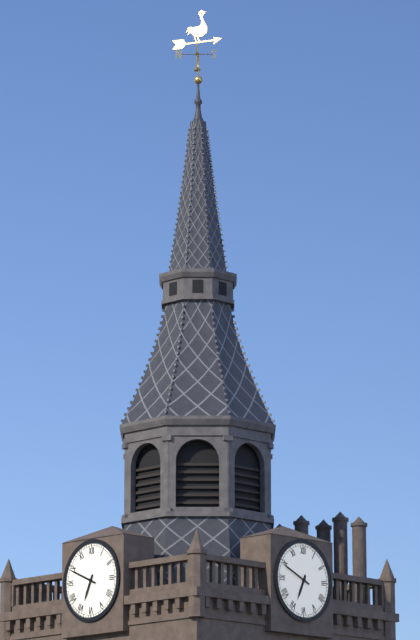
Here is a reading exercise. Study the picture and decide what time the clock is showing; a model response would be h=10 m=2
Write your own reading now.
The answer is h=6 m=49
